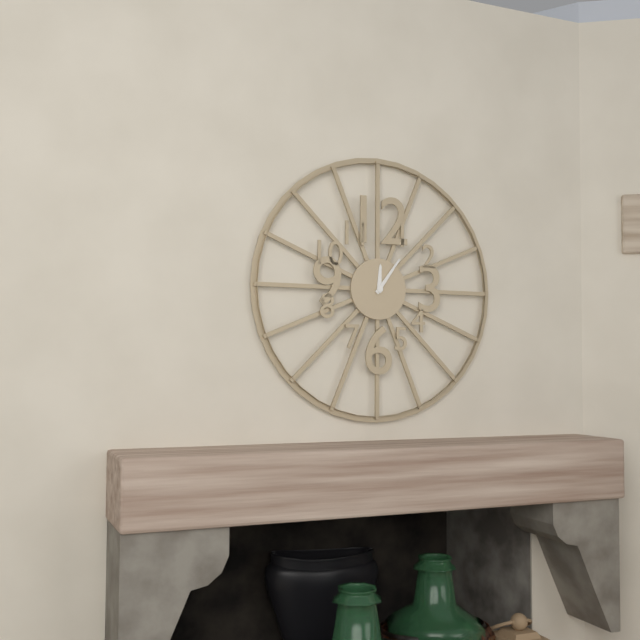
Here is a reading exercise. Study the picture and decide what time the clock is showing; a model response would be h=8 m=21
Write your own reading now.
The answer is h=12 m=6
